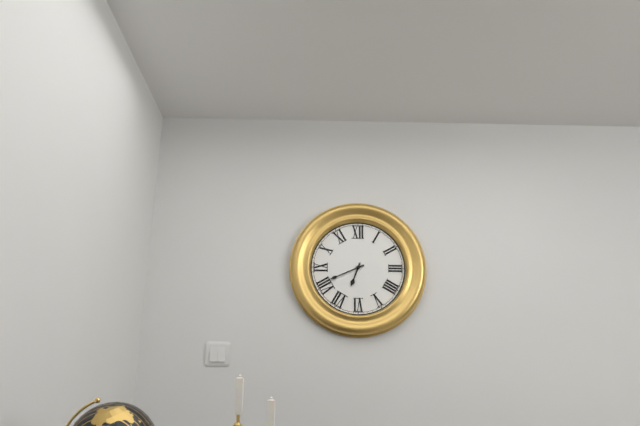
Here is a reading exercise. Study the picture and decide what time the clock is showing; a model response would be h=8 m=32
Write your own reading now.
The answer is h=6 m=41
